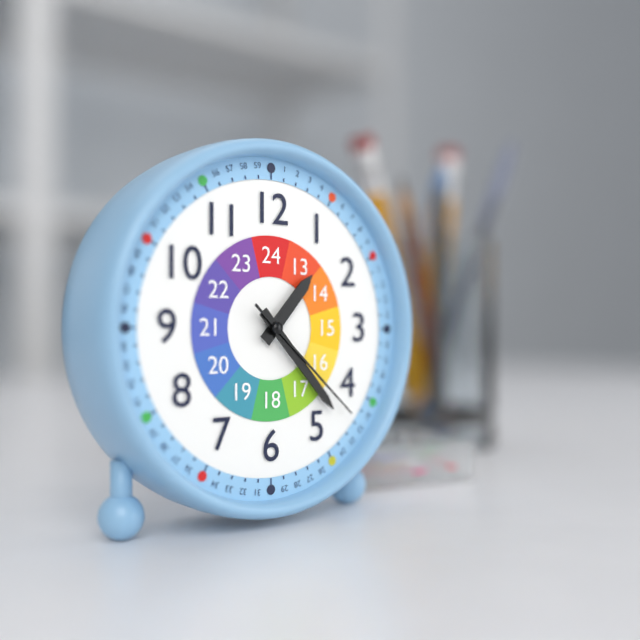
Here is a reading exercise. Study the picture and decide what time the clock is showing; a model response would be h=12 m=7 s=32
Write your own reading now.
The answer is h=1 m=23 s=22
